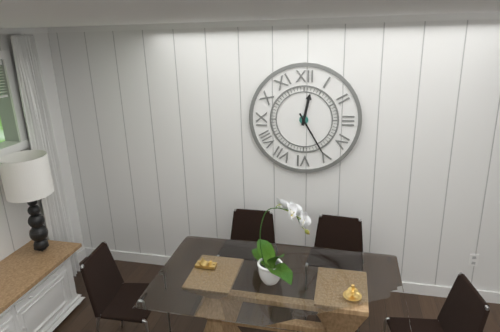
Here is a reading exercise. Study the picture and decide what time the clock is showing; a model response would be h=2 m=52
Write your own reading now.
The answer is h=12 m=25
